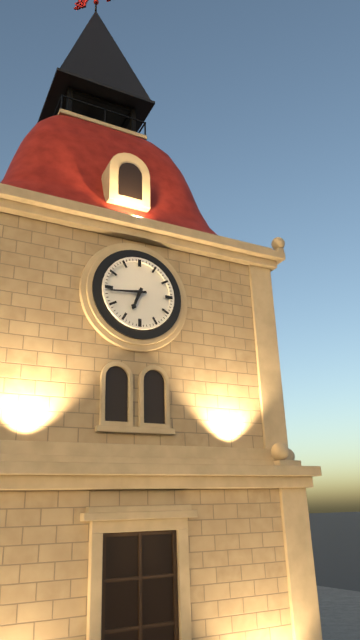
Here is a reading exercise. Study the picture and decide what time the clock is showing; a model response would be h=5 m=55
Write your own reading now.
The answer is h=6 m=44
